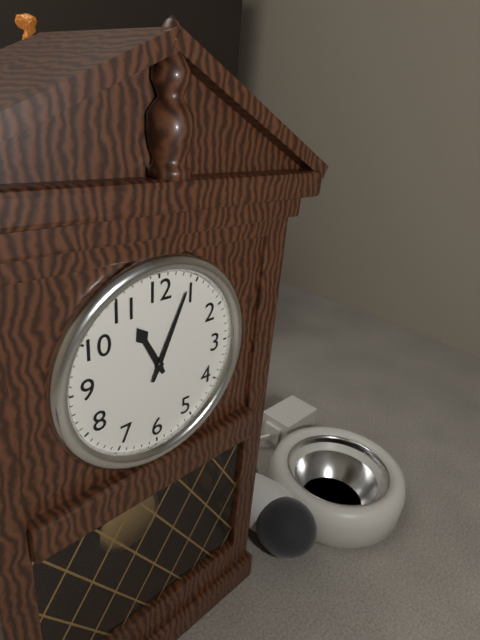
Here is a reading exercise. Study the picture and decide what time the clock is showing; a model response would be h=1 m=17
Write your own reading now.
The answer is h=11 m=4
